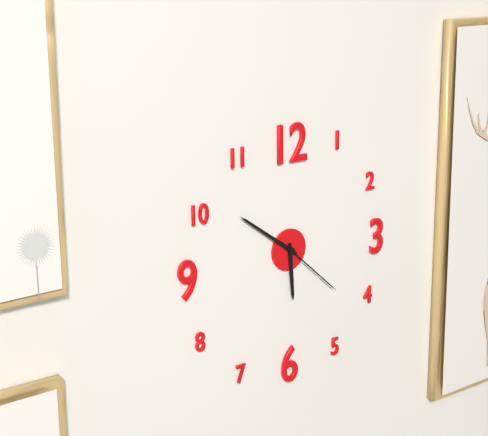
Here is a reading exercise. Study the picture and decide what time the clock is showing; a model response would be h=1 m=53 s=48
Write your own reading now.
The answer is h=5 m=51 s=22
